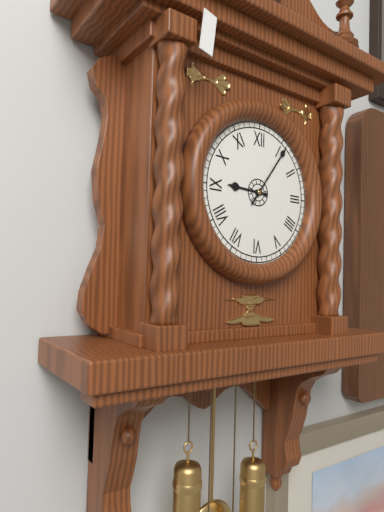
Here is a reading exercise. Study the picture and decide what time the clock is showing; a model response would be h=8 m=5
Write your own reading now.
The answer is h=9 m=6
